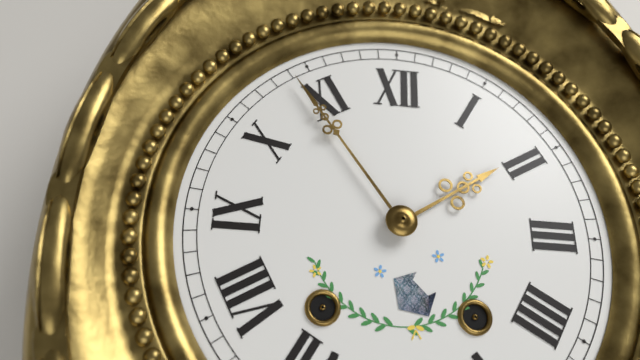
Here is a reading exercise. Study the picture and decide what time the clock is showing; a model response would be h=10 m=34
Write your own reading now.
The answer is h=1 m=54
